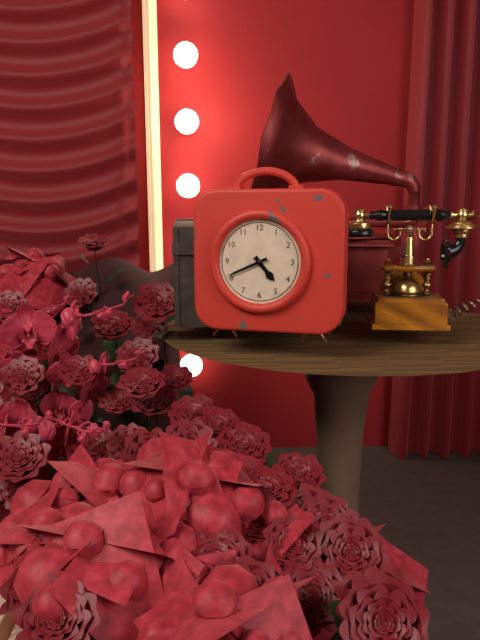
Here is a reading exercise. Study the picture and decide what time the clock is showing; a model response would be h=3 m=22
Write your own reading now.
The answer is h=4 m=41
